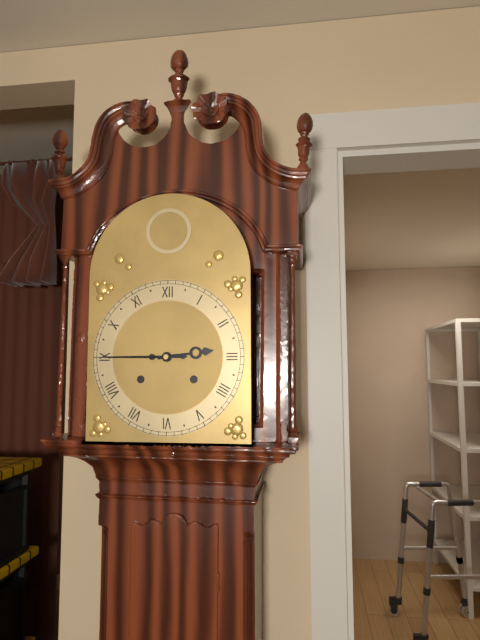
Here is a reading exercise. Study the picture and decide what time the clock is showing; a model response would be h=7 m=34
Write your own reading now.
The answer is h=2 m=45
